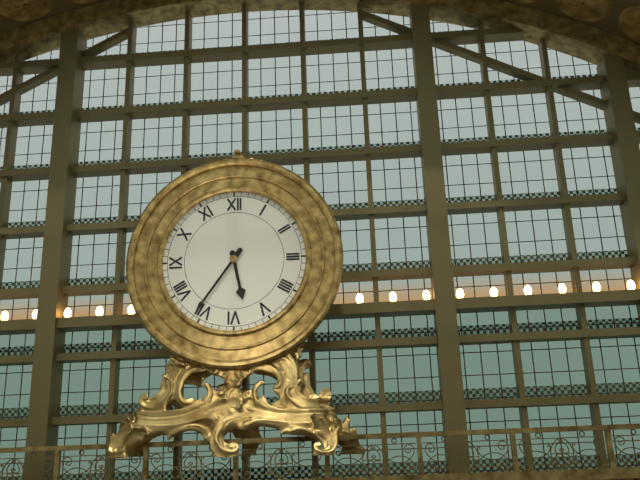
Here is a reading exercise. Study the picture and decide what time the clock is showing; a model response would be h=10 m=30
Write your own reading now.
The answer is h=5 m=36
